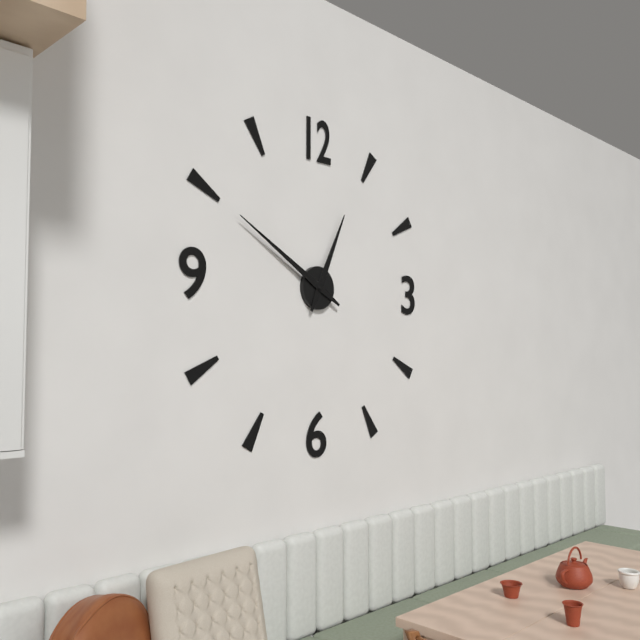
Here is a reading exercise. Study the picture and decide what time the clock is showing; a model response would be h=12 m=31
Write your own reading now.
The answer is h=12 m=50
